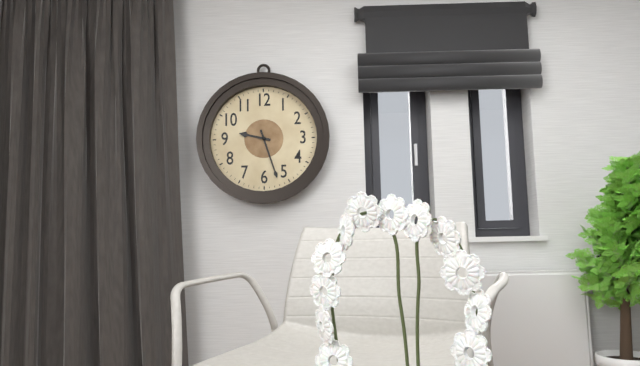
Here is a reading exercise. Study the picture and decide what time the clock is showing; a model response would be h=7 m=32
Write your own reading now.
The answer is h=9 m=27
